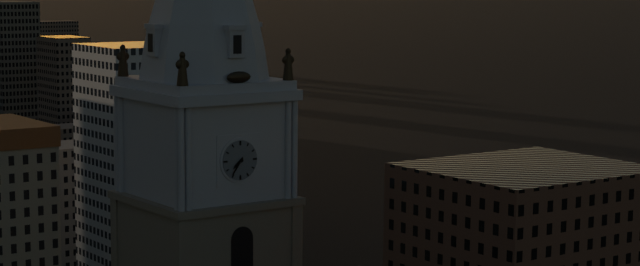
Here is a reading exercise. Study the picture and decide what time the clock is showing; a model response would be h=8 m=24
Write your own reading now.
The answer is h=7 m=36
